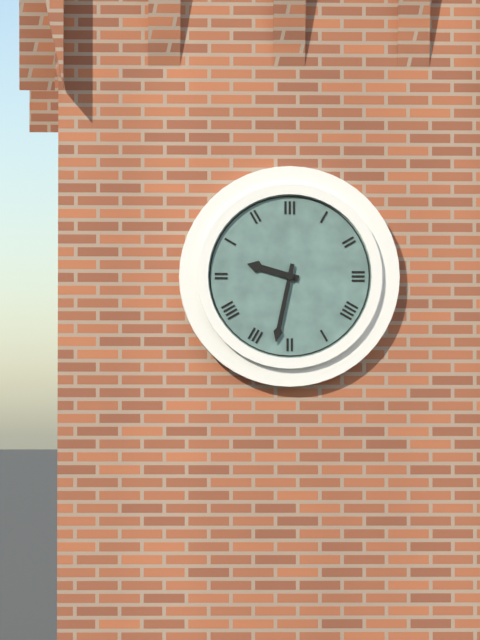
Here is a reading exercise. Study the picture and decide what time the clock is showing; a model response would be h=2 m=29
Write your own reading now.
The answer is h=9 m=32
